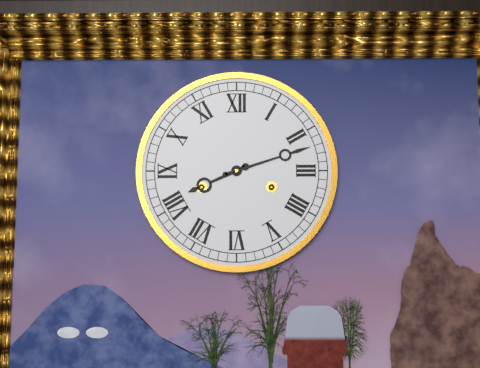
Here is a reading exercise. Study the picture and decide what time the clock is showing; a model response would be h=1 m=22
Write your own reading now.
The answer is h=8 m=12
